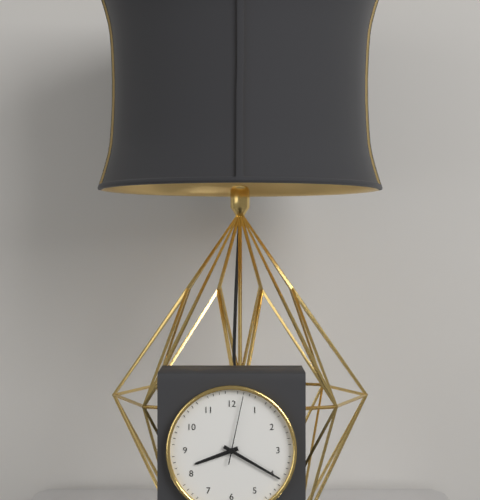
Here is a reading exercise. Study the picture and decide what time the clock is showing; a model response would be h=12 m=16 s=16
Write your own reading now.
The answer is h=8 m=20 s=2
